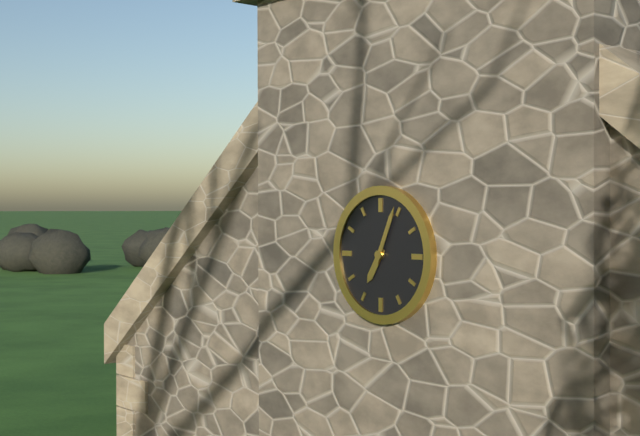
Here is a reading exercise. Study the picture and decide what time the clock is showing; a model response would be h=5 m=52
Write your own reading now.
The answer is h=7 m=4
